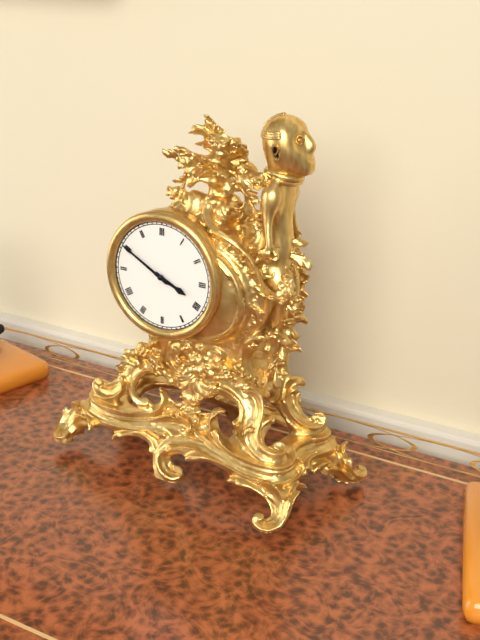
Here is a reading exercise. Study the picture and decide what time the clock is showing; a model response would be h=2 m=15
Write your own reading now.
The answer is h=3 m=50
